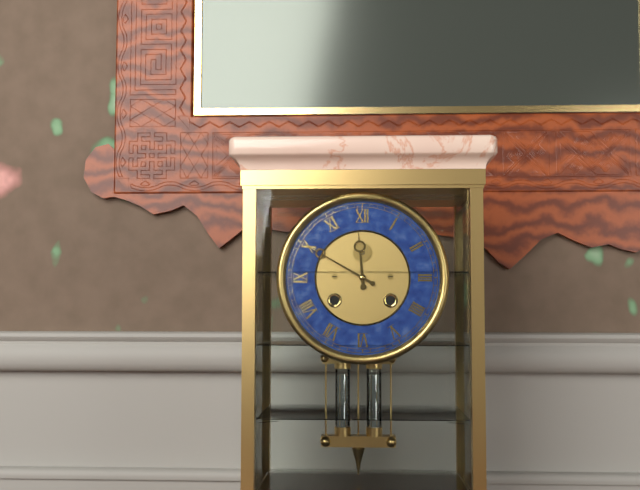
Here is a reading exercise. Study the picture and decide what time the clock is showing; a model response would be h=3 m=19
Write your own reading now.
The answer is h=11 m=50
